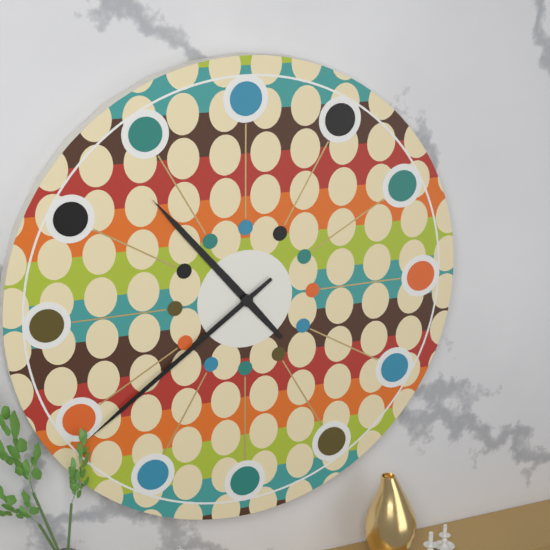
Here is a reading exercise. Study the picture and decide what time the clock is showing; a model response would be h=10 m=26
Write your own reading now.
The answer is h=10 m=39
